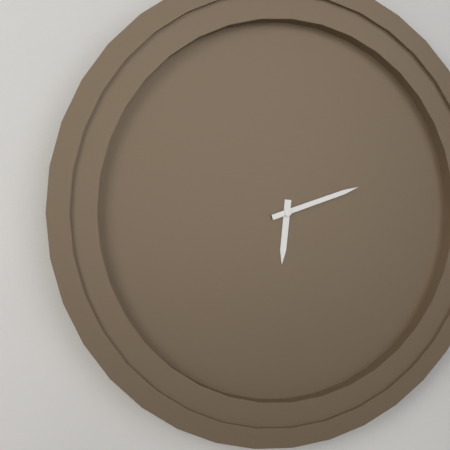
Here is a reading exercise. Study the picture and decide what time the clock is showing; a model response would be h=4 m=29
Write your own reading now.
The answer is h=6 m=12
